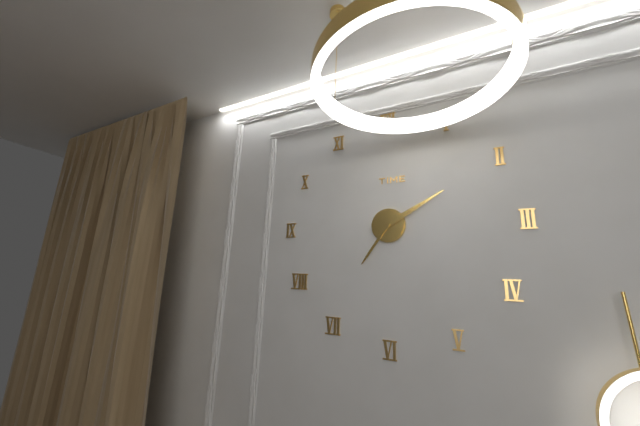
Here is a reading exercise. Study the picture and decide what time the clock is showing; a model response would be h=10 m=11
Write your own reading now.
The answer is h=7 m=10
